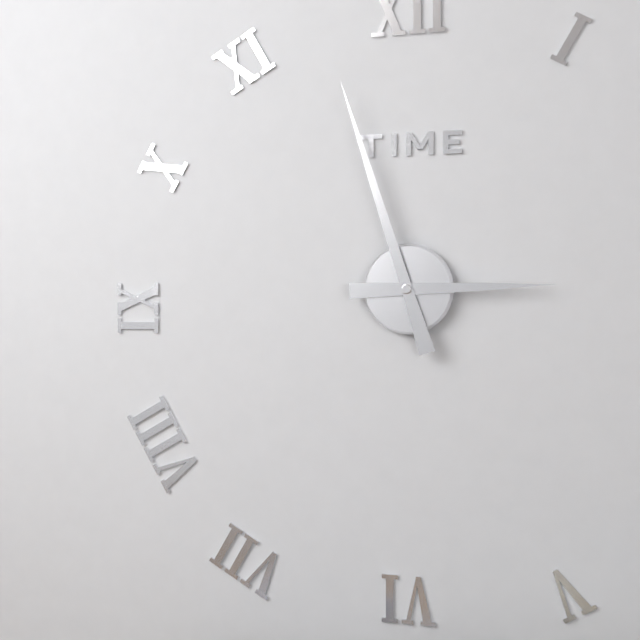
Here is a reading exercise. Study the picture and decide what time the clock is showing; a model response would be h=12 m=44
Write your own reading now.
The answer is h=2 m=57
